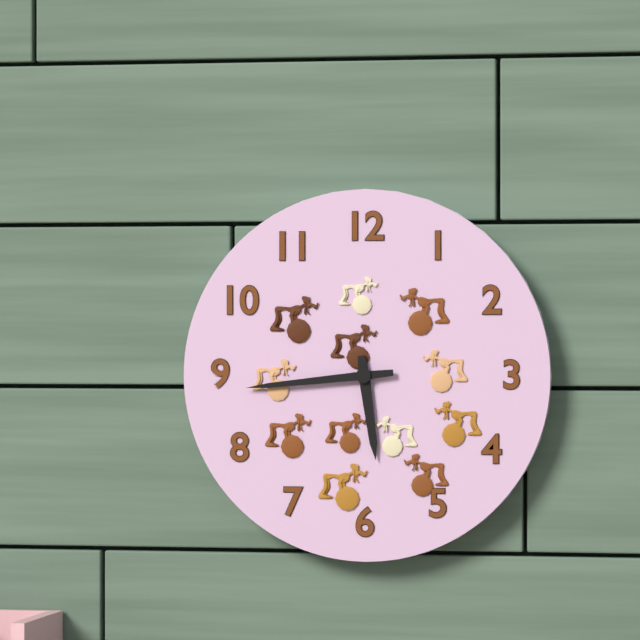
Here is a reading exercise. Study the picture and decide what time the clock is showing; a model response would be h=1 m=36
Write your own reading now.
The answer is h=5 m=44
